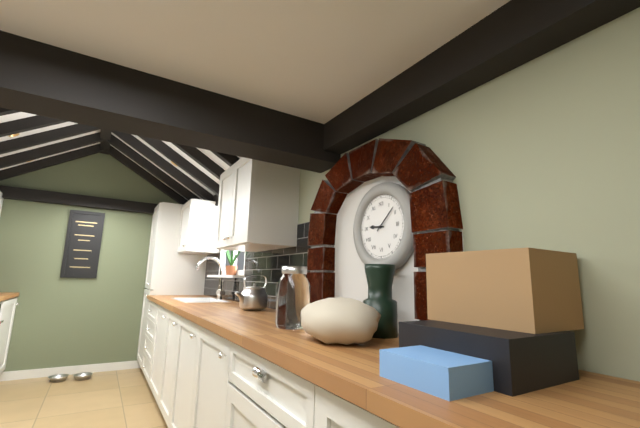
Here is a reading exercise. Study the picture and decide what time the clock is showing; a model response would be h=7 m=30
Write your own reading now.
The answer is h=9 m=8
